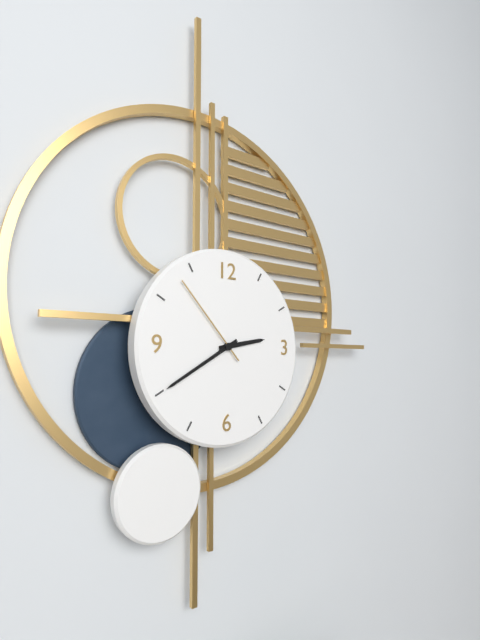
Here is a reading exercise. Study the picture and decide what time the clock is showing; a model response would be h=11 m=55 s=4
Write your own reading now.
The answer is h=2 m=40 s=53
